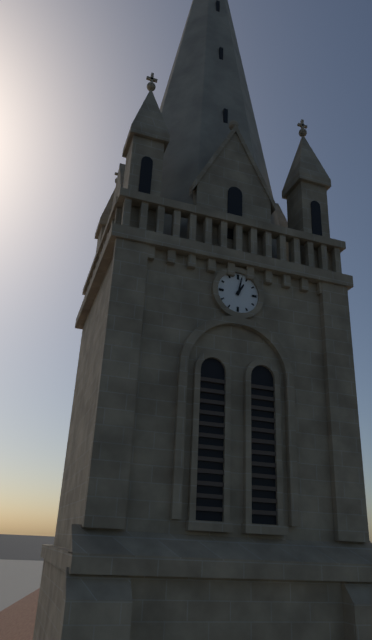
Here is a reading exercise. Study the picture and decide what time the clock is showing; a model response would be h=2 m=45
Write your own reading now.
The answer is h=1 m=2
